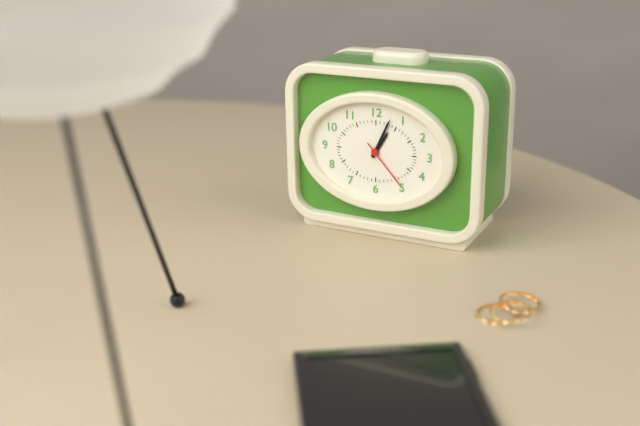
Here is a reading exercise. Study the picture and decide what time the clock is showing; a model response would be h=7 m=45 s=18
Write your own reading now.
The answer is h=1 m=4 s=23
